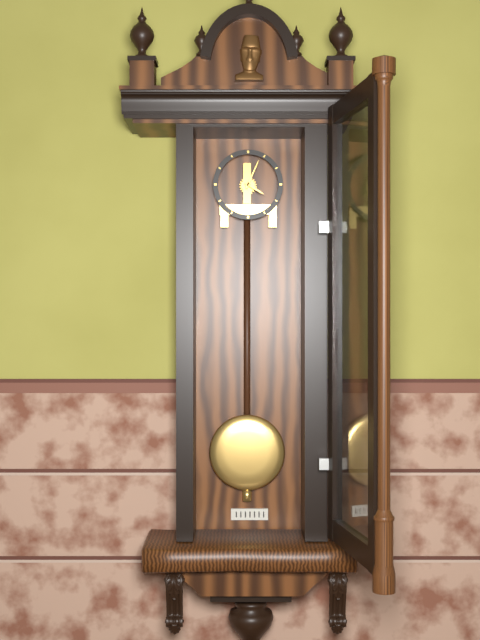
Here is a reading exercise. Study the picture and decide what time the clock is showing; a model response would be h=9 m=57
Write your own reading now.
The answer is h=4 m=4
